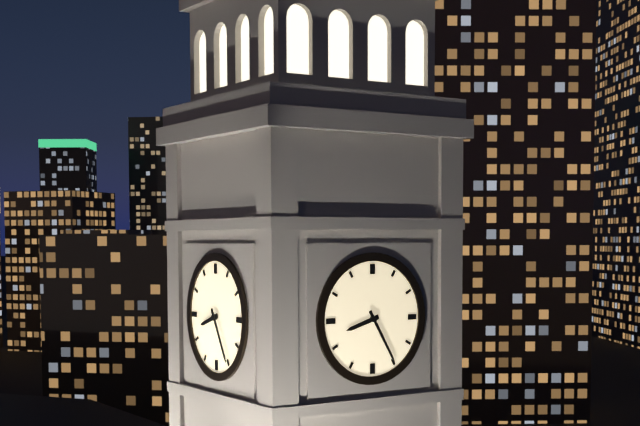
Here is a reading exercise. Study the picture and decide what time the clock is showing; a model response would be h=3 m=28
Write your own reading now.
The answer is h=8 m=25
